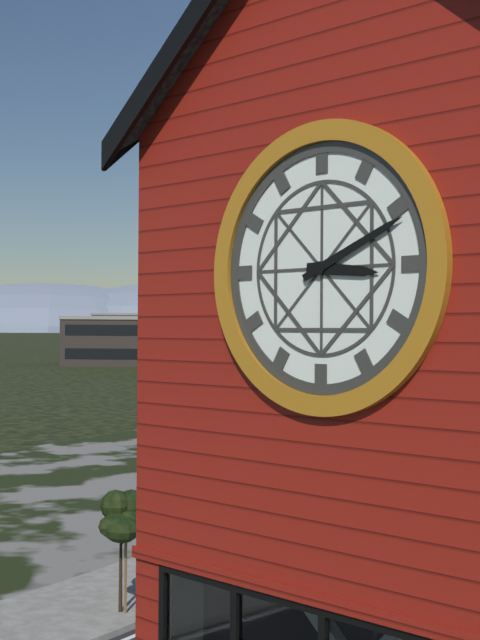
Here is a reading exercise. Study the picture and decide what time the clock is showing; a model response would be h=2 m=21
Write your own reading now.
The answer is h=3 m=11
